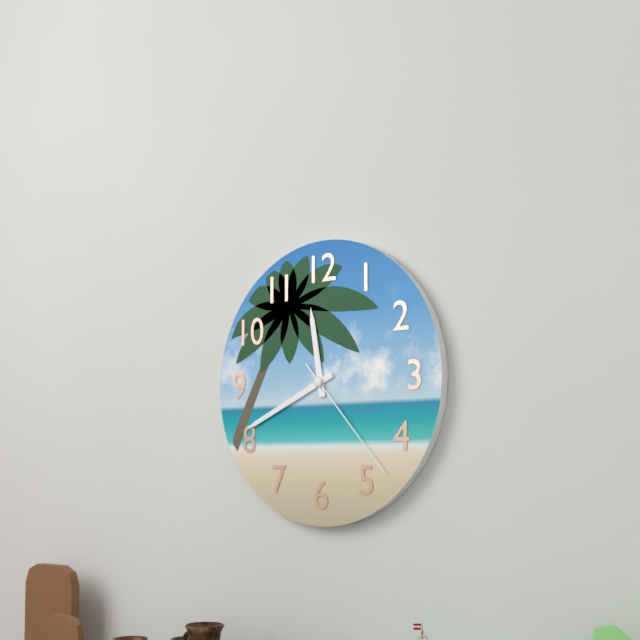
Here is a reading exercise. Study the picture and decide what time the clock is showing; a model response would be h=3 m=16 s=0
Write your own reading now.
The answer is h=11 m=41 s=23
